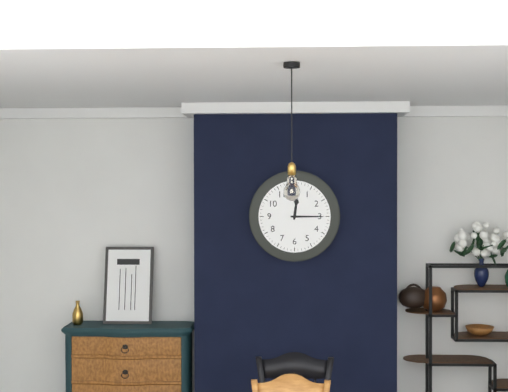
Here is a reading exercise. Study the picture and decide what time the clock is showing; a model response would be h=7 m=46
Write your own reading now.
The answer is h=12 m=15
